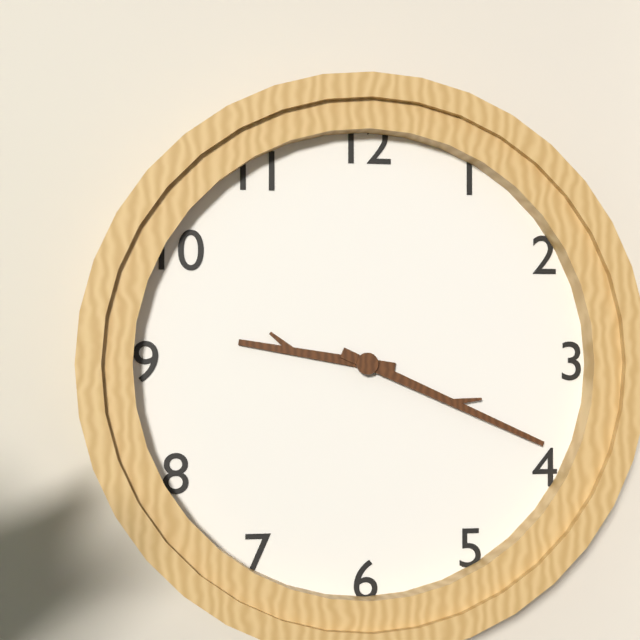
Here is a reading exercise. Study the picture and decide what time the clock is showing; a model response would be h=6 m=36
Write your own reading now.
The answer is h=9 m=19
